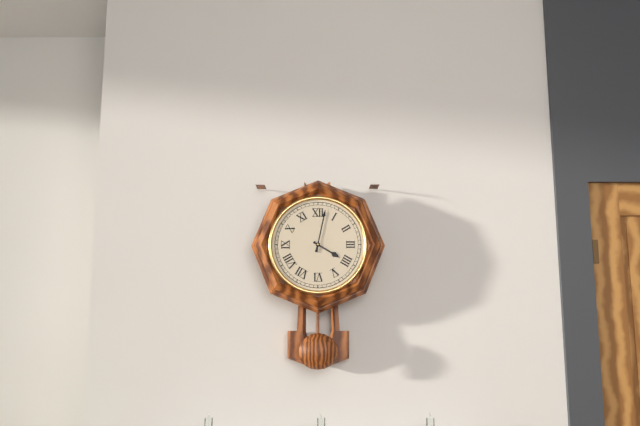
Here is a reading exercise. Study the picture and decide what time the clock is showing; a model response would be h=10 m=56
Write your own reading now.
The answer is h=4 m=2
